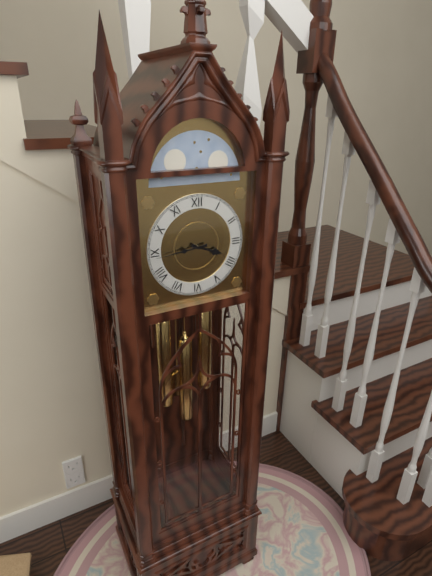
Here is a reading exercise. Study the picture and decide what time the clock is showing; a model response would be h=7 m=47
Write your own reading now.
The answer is h=3 m=44
